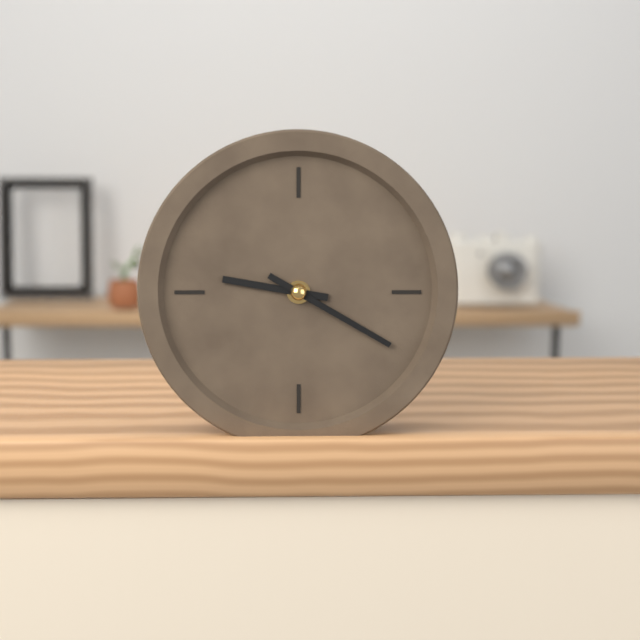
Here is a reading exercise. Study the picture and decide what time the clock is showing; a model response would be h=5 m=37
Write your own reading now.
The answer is h=9 m=20
